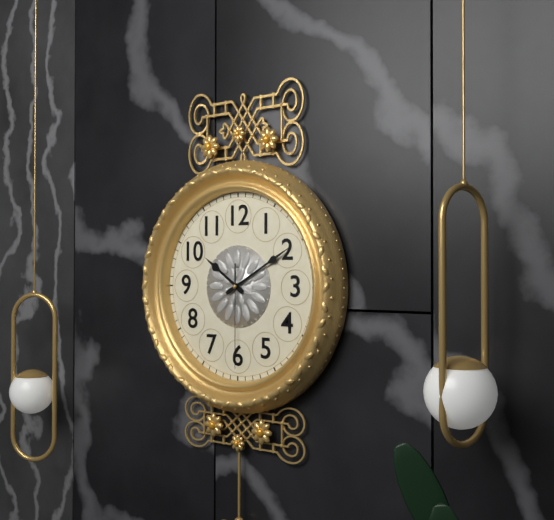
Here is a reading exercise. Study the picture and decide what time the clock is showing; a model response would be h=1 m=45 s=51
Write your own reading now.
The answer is h=10 m=10 s=30
